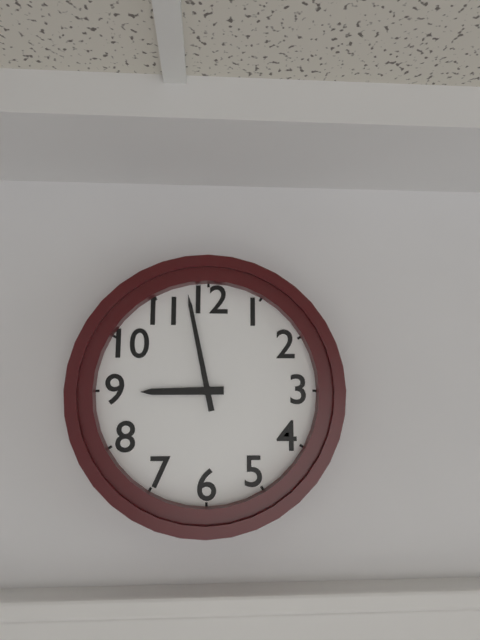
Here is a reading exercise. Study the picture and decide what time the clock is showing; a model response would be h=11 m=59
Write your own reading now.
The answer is h=8 m=58
